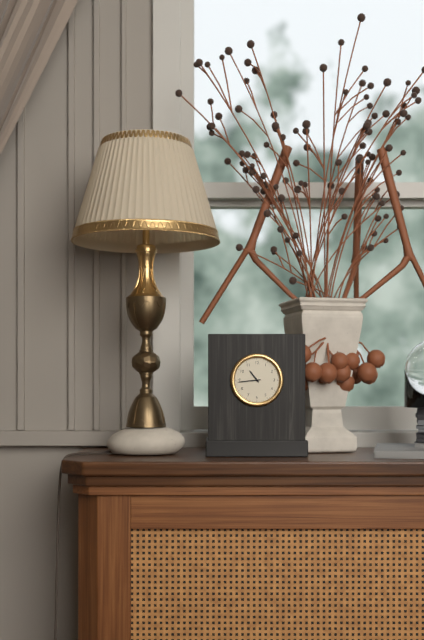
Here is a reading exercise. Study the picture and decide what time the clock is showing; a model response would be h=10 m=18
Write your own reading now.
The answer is h=10 m=44
